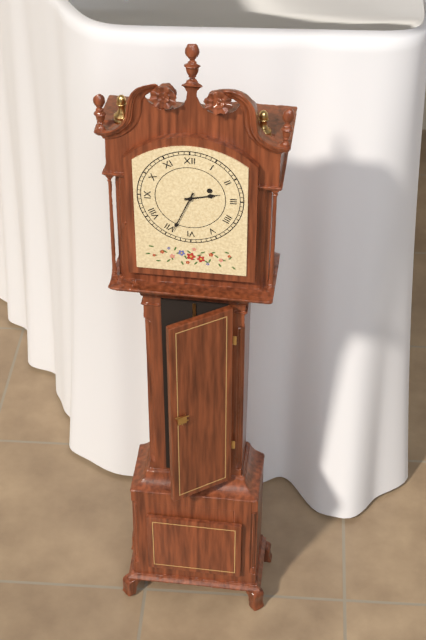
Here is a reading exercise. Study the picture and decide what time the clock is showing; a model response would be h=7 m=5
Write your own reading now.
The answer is h=2 m=34
